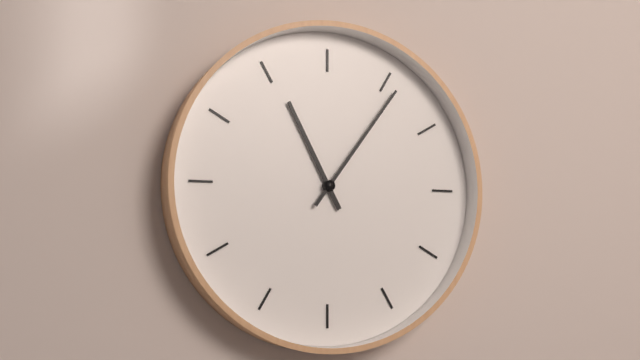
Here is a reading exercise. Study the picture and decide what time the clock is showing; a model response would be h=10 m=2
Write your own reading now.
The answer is h=11 m=6
